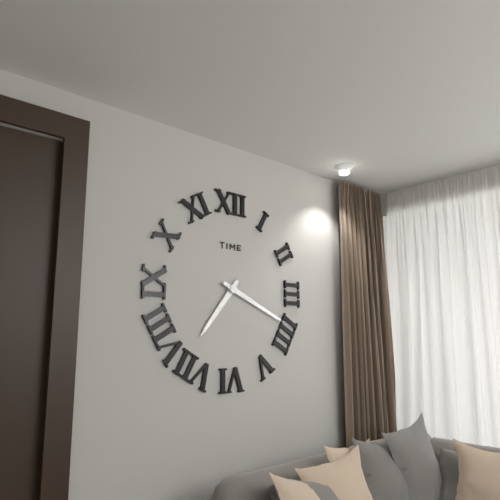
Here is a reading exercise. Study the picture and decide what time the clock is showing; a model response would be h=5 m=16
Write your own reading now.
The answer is h=7 m=19
